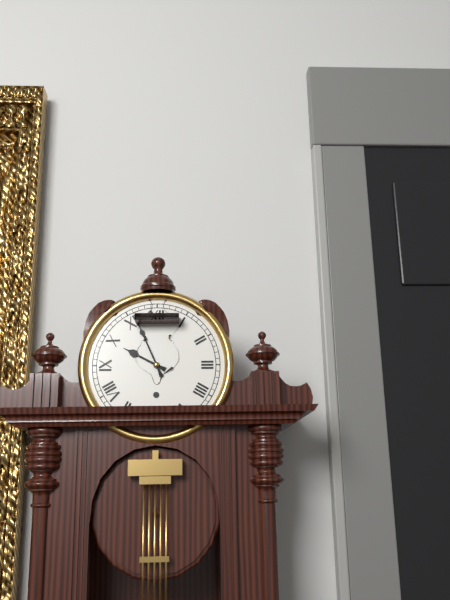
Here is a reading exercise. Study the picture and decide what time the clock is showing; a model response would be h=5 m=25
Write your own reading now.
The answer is h=9 m=56
